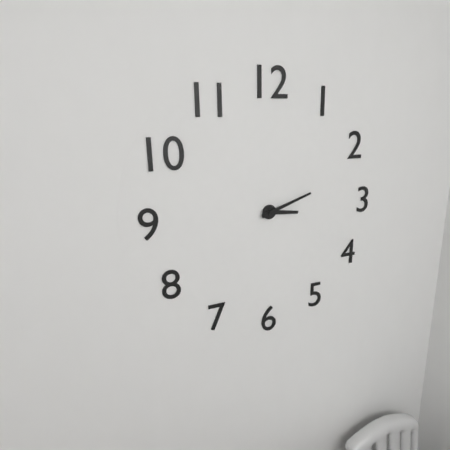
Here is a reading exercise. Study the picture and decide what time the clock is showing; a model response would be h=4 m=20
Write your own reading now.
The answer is h=3 m=12
